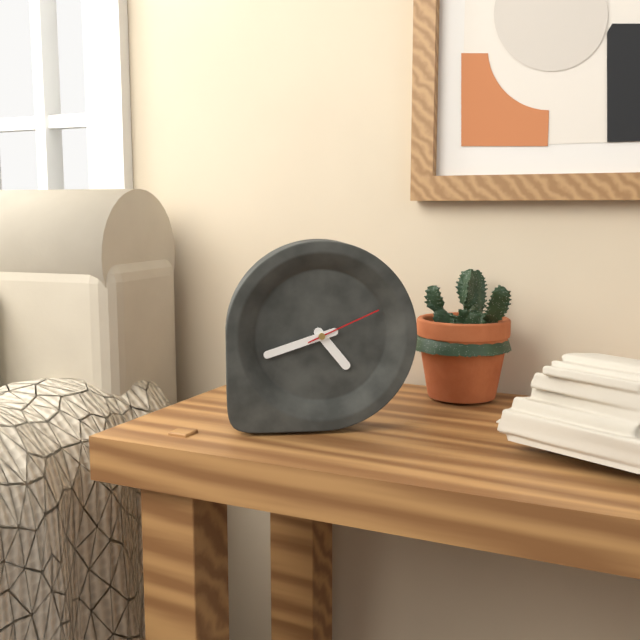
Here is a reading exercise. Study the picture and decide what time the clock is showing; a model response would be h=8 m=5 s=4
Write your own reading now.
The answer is h=4 m=42 s=11
